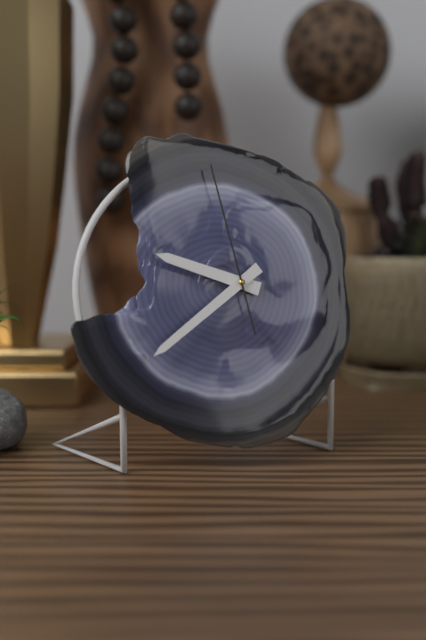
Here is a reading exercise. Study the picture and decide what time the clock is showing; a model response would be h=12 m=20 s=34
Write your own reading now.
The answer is h=9 m=39 s=58
